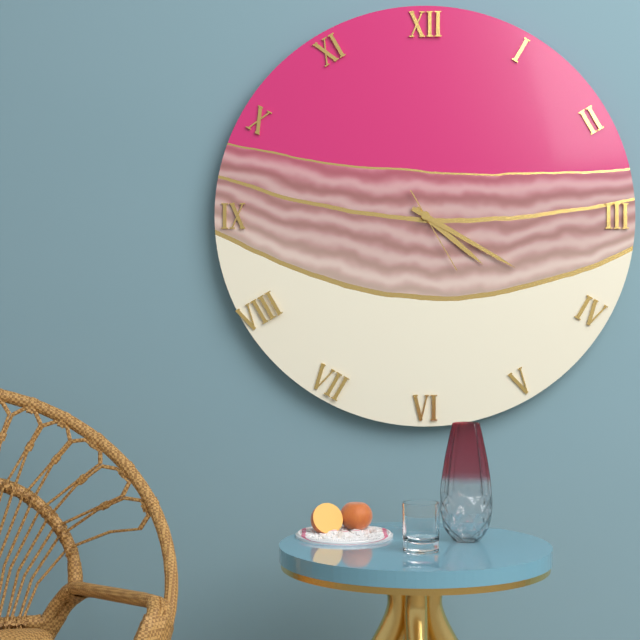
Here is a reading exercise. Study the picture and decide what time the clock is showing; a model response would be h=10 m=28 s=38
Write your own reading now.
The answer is h=4 m=20 s=25
